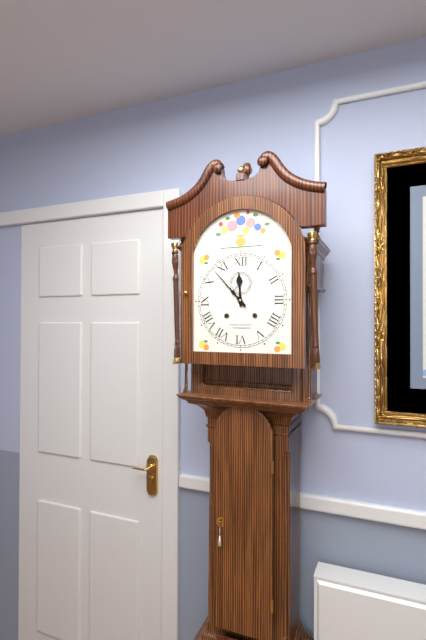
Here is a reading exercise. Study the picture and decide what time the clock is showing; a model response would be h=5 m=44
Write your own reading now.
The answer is h=11 m=53
